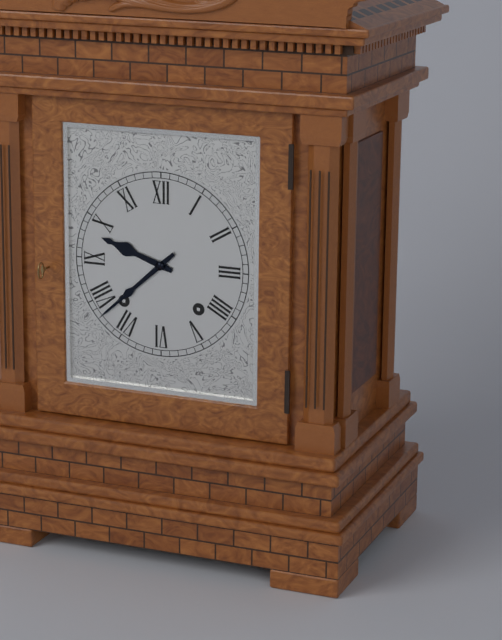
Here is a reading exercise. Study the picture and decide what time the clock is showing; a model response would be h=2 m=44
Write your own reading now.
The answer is h=9 m=38
